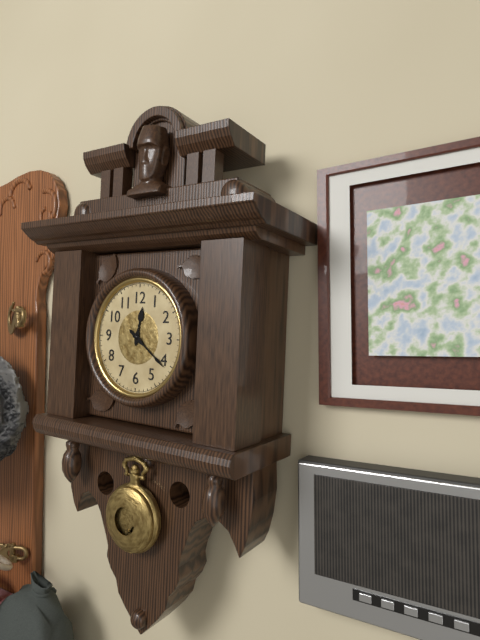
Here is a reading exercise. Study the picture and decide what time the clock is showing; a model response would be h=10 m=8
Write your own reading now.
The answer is h=12 m=21
